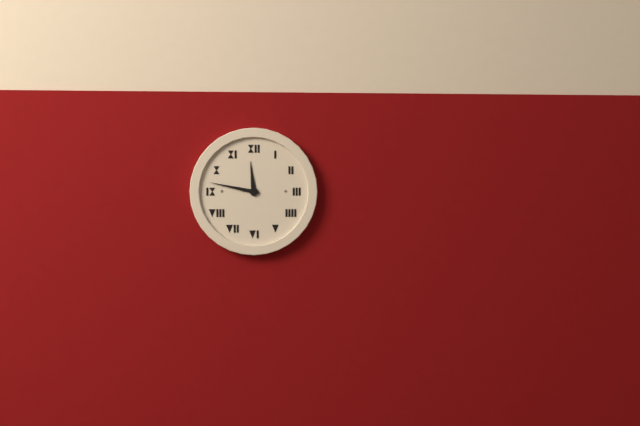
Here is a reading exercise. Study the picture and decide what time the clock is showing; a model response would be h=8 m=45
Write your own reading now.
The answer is h=11 m=47
